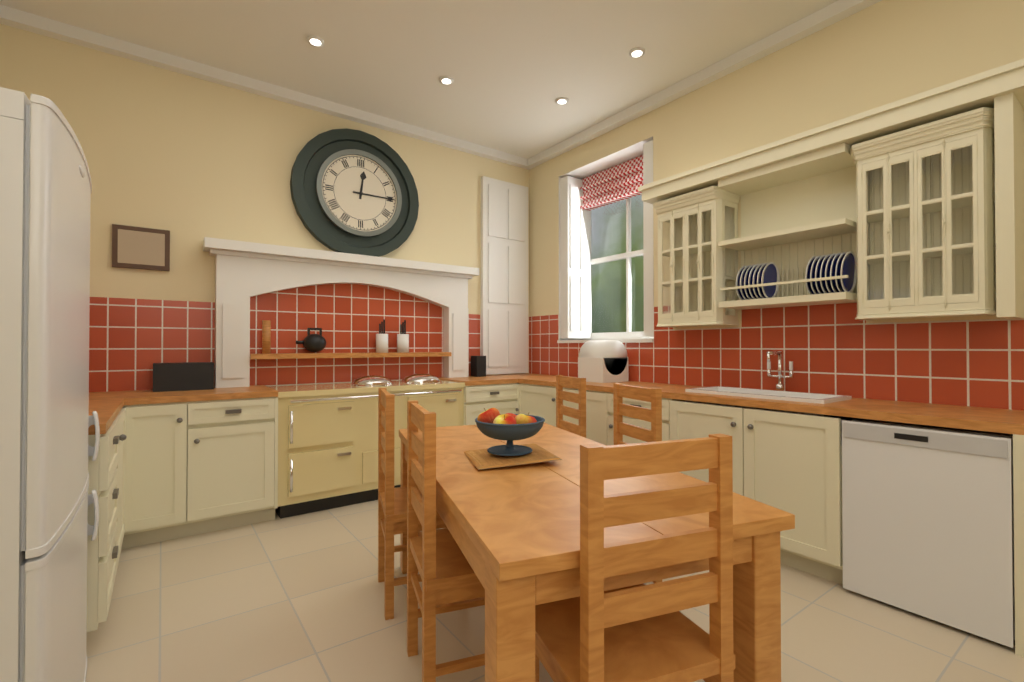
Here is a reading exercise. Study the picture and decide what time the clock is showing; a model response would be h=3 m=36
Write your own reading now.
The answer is h=12 m=15
